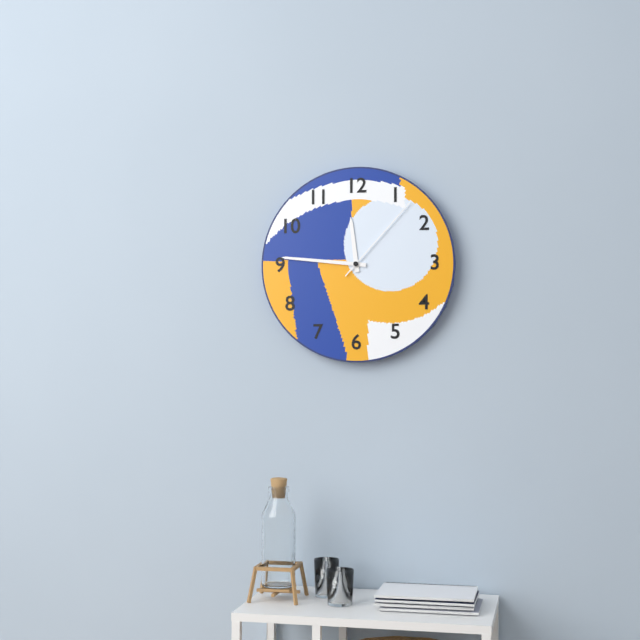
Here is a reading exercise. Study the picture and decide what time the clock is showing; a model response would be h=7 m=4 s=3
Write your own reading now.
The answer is h=11 m=46 s=7
